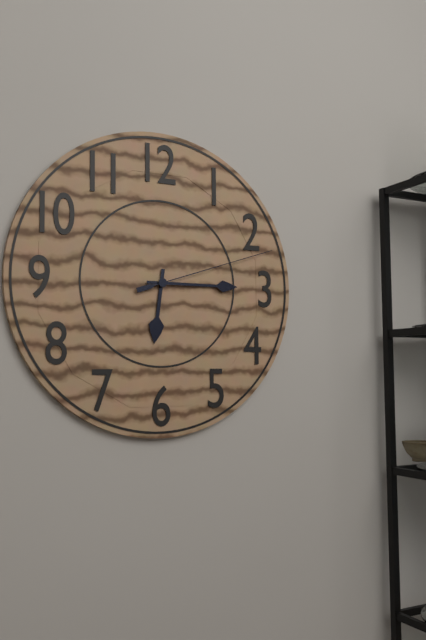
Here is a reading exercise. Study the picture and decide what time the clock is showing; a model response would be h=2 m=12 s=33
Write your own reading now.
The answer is h=6 m=15 s=12
